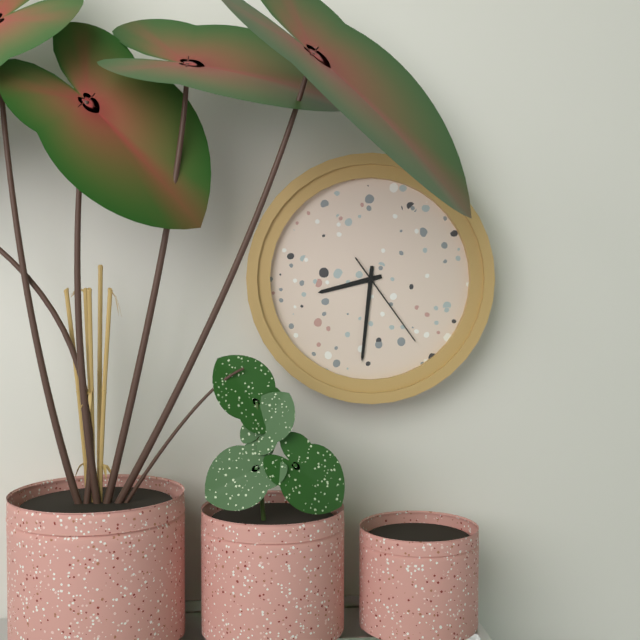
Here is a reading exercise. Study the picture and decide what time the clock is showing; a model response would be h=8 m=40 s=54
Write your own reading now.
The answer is h=8 m=31 s=24
